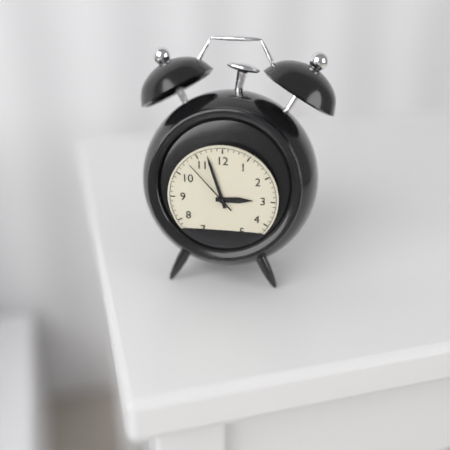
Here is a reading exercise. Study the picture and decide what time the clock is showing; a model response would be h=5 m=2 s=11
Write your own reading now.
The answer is h=2 m=57 s=53
